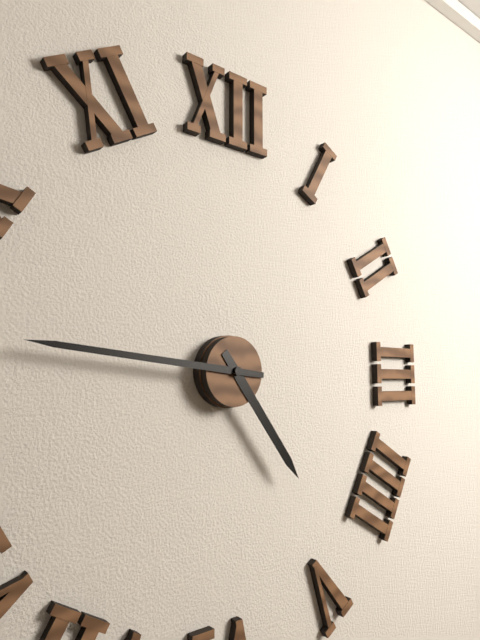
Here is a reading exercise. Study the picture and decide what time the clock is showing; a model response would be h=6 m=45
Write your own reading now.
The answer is h=4 m=46
